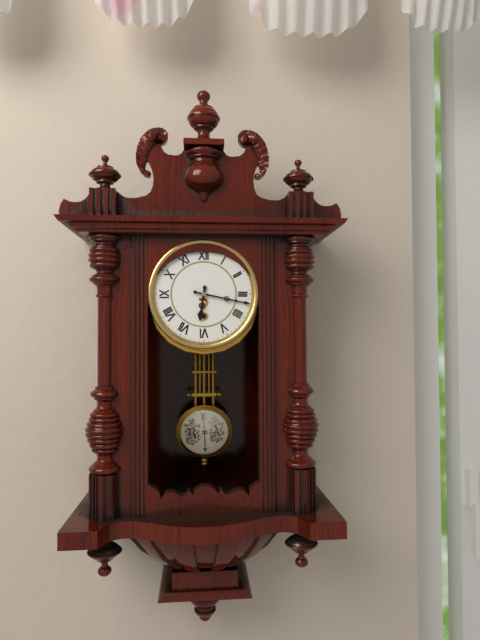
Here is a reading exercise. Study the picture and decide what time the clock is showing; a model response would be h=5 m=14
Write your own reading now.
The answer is h=6 m=17
